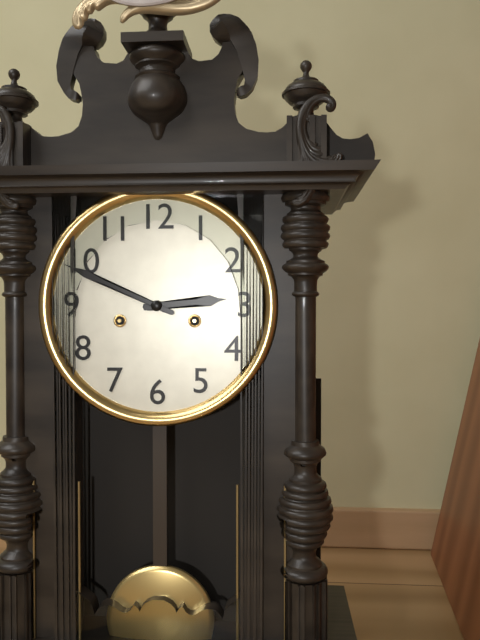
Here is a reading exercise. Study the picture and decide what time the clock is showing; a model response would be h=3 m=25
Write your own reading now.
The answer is h=2 m=49
